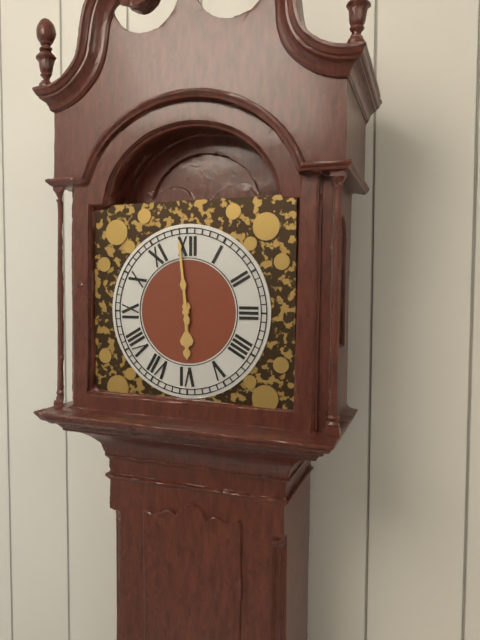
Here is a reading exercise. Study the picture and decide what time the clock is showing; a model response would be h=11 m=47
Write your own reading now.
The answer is h=5 m=59
